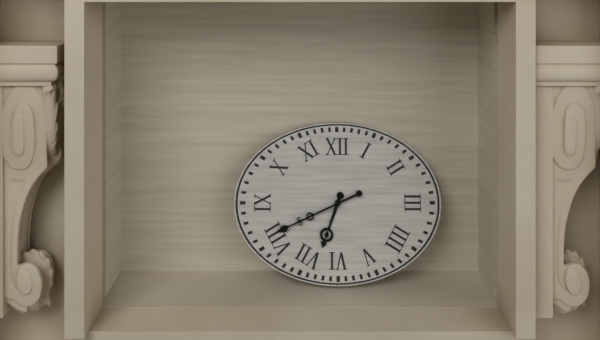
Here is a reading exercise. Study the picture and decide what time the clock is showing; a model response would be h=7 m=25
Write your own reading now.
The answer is h=6 m=41
